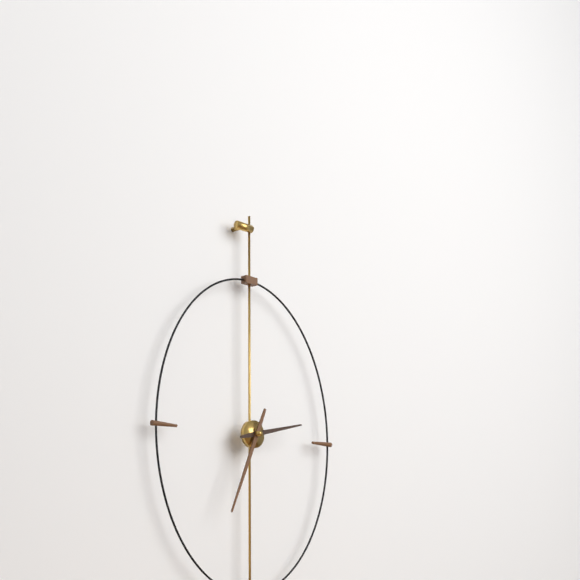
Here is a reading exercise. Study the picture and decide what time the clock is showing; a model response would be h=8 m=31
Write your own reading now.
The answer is h=2 m=34
